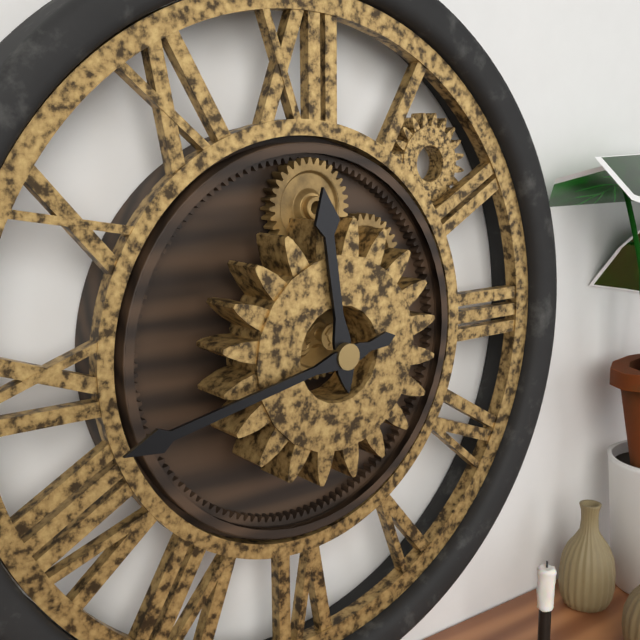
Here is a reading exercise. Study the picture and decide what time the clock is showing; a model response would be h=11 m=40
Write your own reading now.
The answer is h=11 m=43
